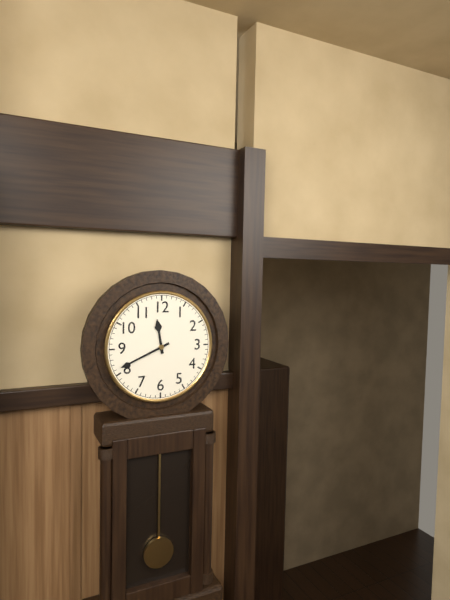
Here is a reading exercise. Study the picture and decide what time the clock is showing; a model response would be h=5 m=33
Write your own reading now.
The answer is h=11 m=41
